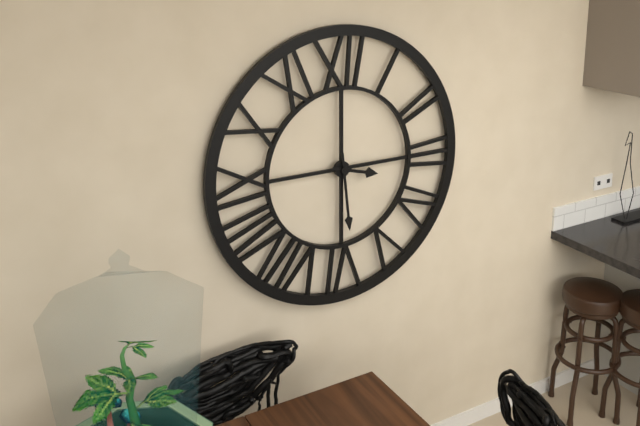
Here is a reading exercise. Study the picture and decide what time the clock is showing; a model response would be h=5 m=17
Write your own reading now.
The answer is h=3 m=29
